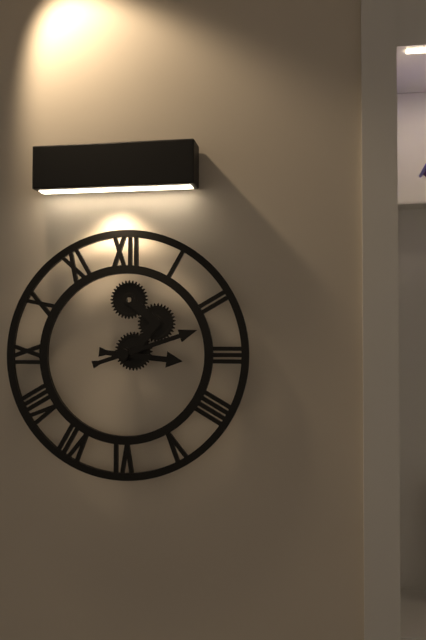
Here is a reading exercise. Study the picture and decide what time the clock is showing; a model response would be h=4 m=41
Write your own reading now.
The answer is h=3 m=12
